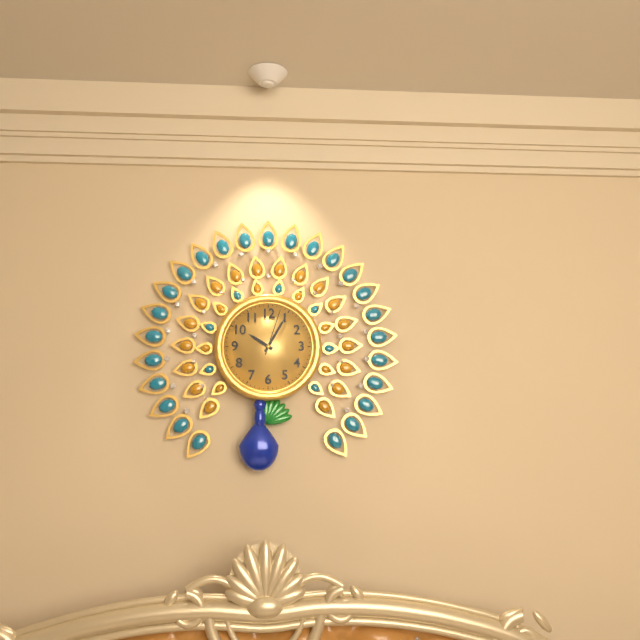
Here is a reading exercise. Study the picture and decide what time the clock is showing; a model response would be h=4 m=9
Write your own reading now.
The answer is h=10 m=5
